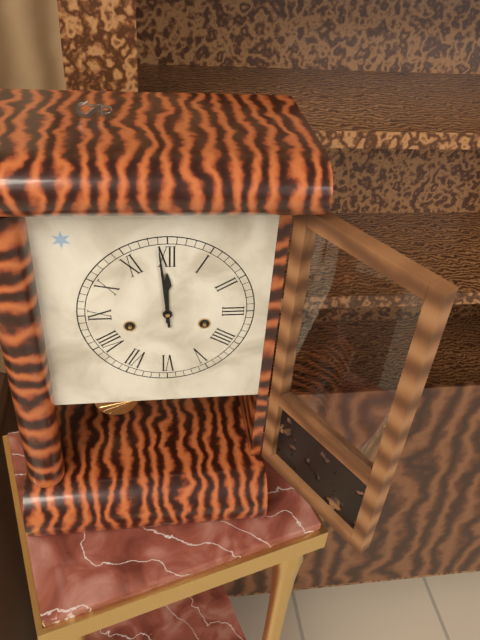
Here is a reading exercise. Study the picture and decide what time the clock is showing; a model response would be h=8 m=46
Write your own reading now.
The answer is h=11 m=59
